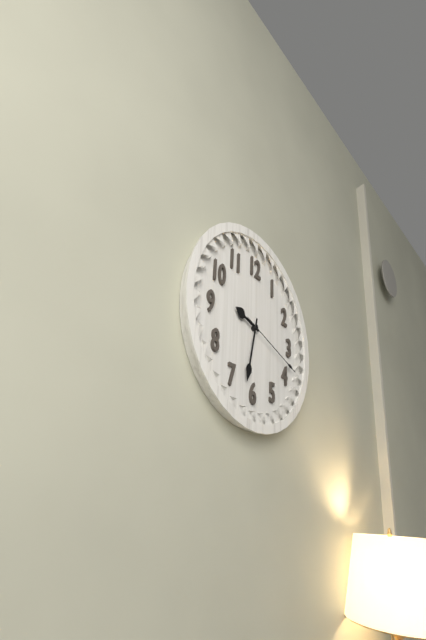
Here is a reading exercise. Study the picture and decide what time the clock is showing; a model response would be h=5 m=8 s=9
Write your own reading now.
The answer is h=9 m=32 s=18
